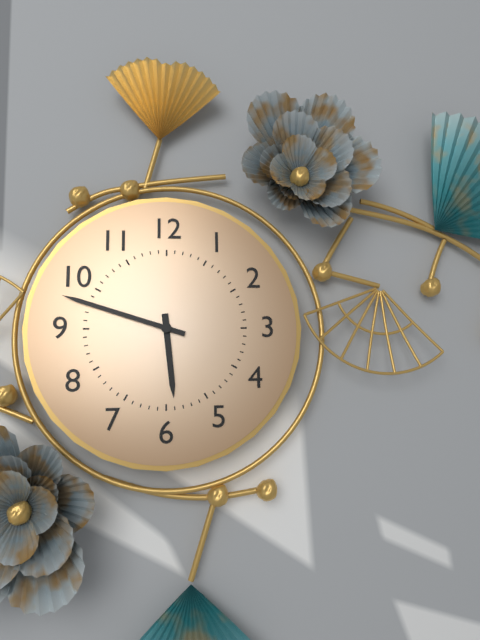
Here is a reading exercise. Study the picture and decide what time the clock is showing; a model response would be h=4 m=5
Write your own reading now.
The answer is h=5 m=48
